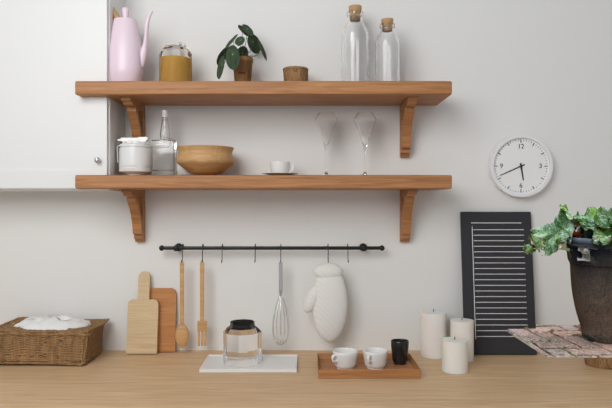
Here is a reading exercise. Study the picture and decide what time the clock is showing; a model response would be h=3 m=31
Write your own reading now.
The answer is h=5 m=41
